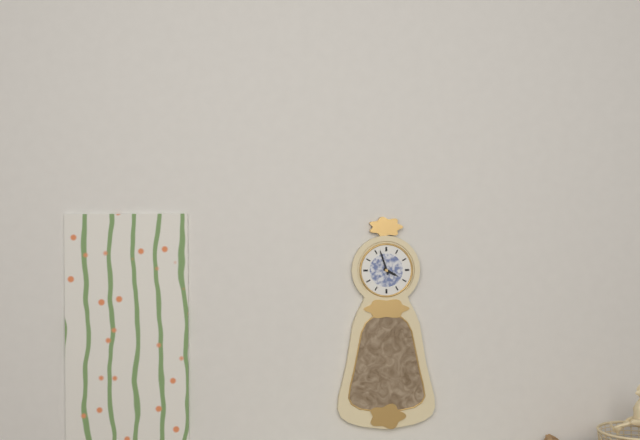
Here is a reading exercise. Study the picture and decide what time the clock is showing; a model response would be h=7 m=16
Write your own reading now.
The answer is h=3 m=57
